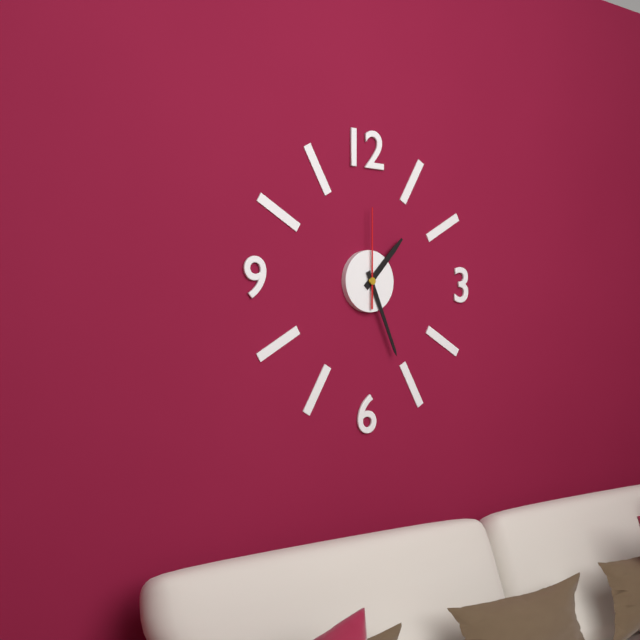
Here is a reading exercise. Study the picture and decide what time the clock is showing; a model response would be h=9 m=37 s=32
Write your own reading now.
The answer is h=1 m=26 s=0
